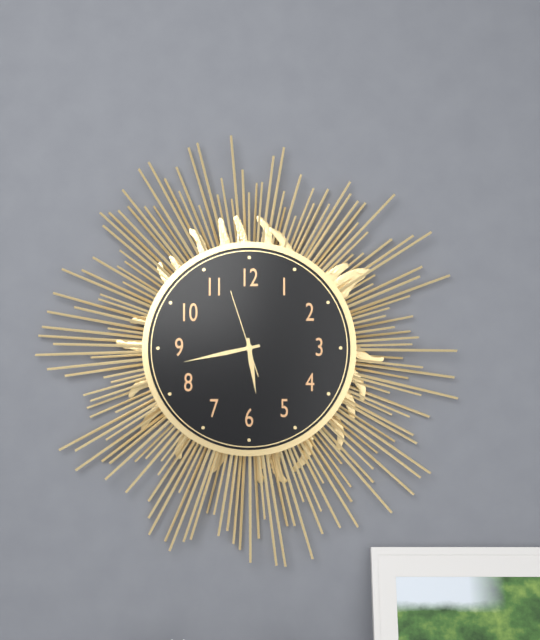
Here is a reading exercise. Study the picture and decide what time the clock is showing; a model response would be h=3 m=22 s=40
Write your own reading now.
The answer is h=5 m=43 s=57
